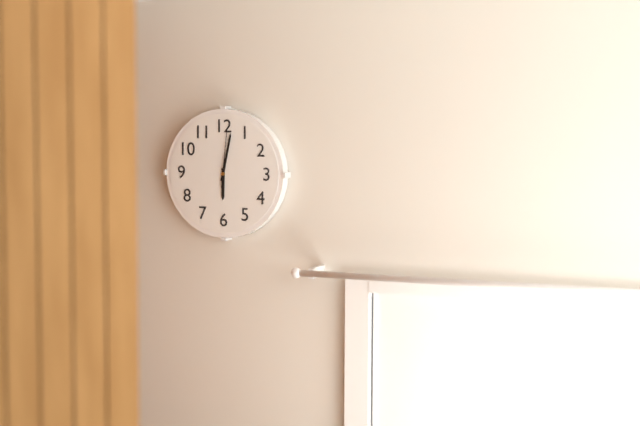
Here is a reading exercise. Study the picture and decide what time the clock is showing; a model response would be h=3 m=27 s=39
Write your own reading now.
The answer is h=6 m=2 s=1
